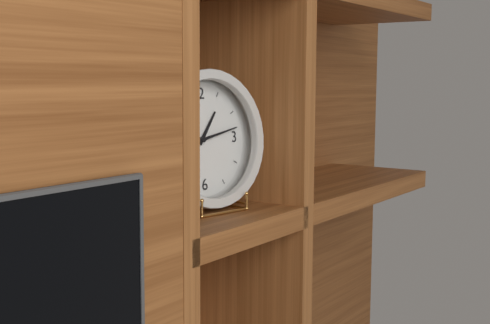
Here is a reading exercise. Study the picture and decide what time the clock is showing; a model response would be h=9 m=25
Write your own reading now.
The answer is h=1 m=13
